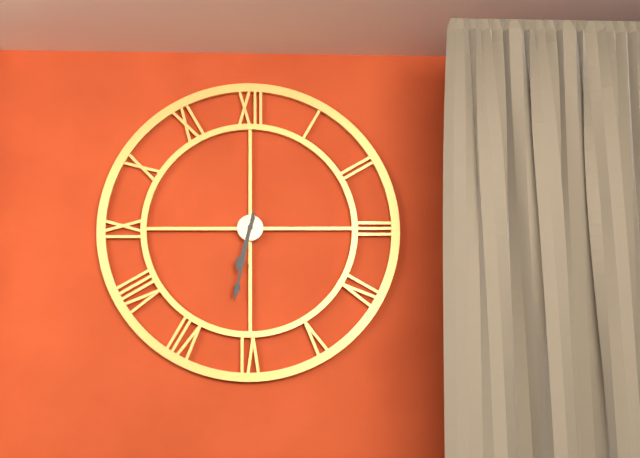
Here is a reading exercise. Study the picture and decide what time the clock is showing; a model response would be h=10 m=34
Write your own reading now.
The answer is h=6 m=32
